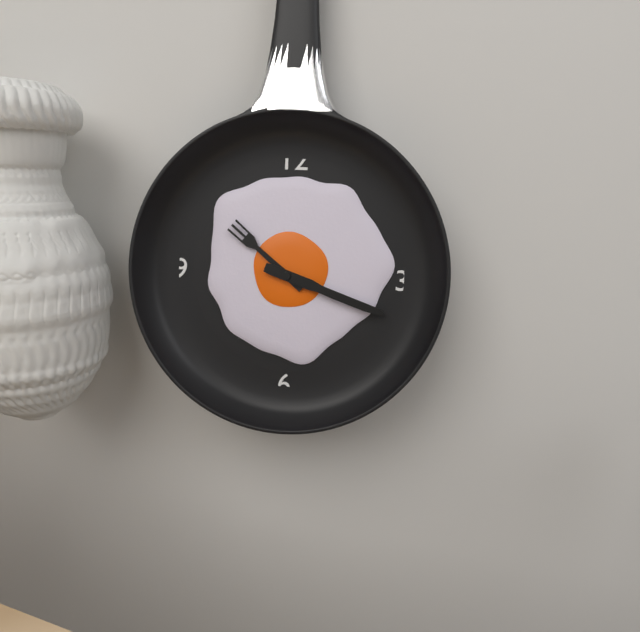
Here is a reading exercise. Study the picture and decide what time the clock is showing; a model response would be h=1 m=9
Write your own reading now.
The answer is h=10 m=18
